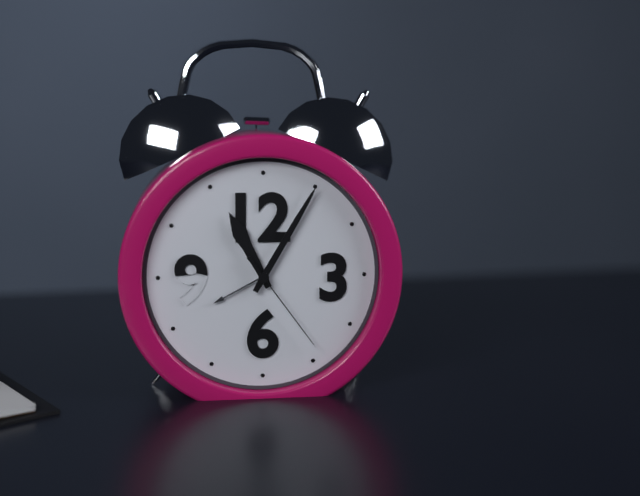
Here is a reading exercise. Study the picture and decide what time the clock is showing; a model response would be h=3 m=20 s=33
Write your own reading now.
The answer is h=11 m=5 s=24
